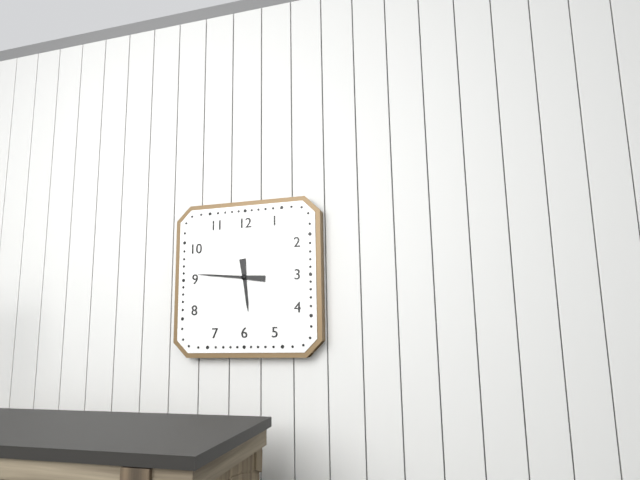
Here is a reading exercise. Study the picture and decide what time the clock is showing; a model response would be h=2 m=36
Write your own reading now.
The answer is h=5 m=46
